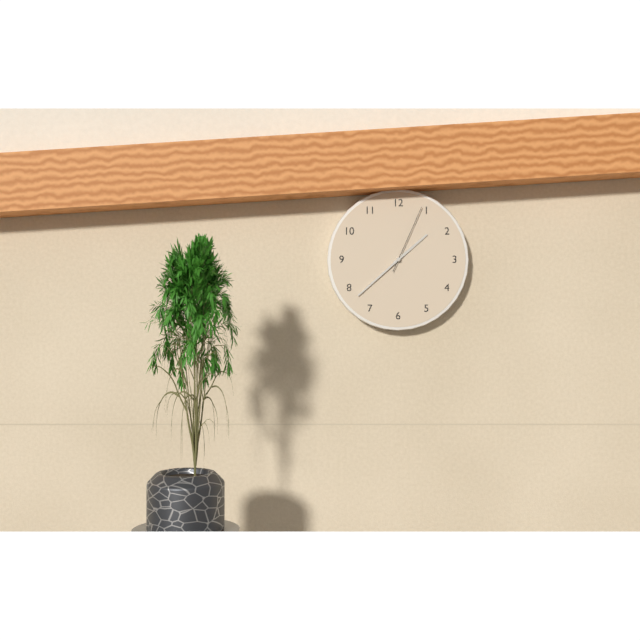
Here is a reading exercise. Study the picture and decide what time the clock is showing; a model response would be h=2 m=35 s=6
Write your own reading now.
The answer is h=1 m=38 s=4
